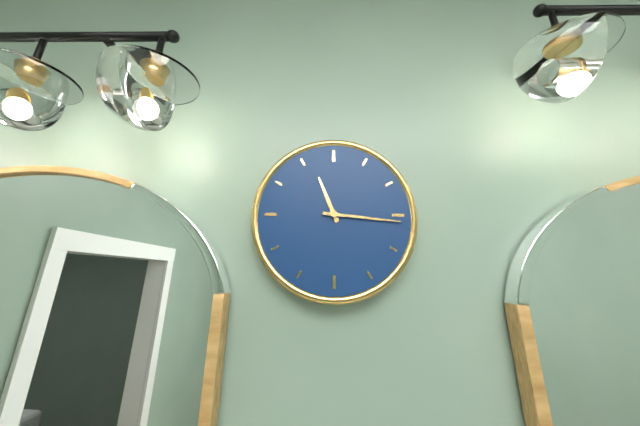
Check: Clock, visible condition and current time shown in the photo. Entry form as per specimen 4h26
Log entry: 11h16
